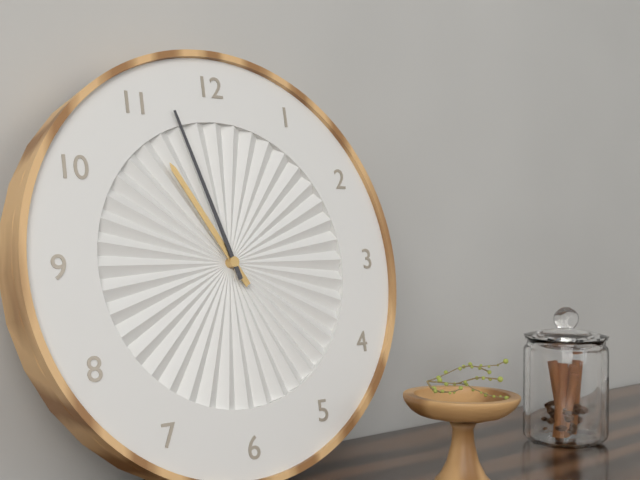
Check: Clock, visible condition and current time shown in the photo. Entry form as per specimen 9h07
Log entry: 10h57
